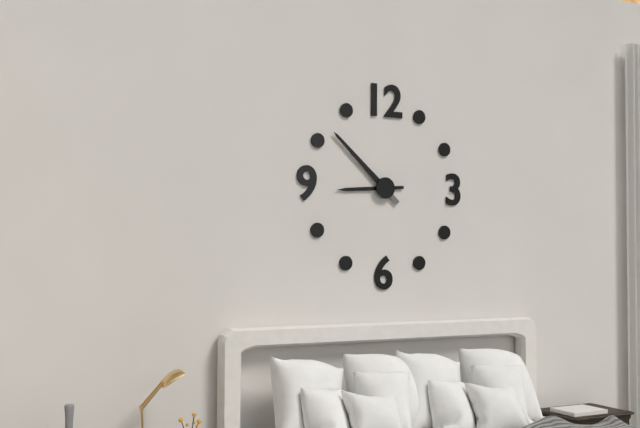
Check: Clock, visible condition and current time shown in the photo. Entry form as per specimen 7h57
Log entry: 8h52
